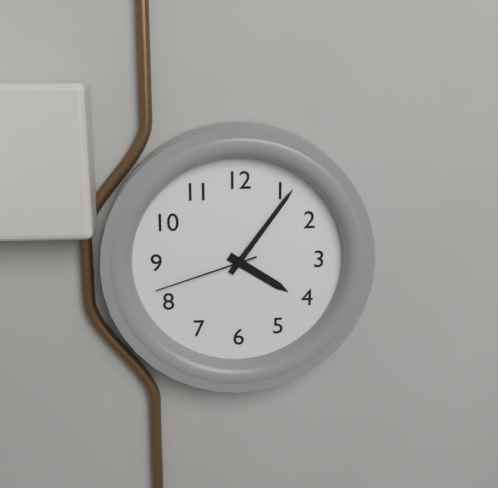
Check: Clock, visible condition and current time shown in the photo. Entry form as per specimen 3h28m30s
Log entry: 4h06m42s
